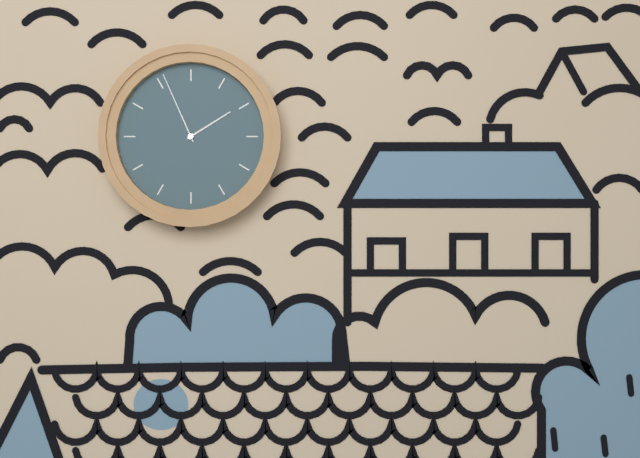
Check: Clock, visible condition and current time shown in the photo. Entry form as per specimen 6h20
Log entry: 1h56
